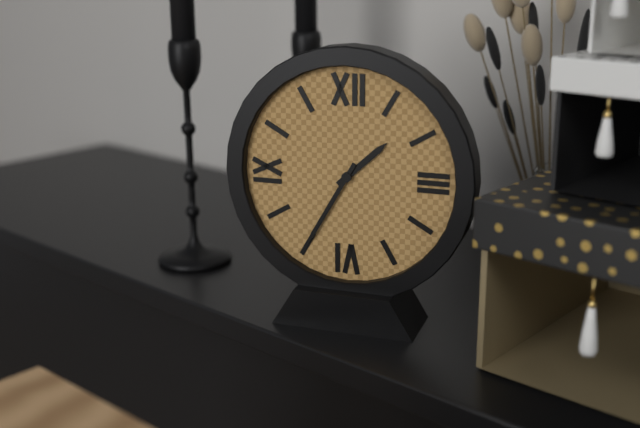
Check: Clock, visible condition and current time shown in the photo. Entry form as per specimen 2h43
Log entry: 1h35
